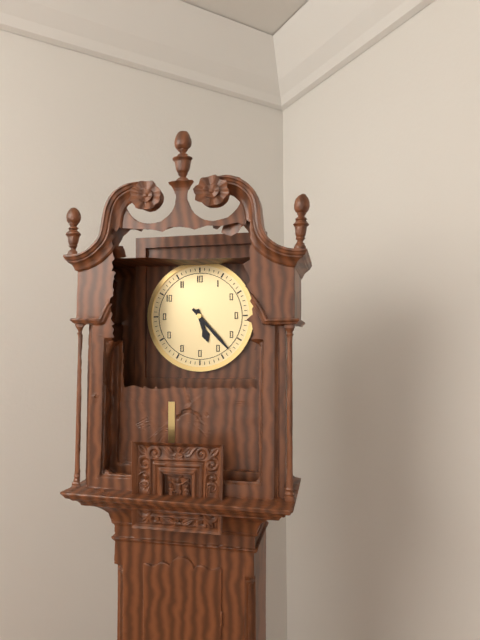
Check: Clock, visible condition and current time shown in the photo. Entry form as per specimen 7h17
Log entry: 5h23
